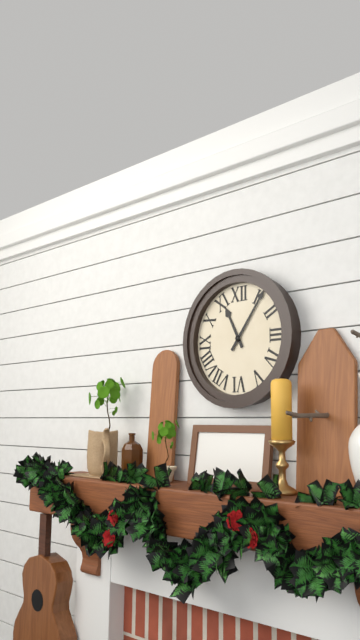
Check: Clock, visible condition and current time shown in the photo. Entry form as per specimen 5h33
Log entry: 11h06
